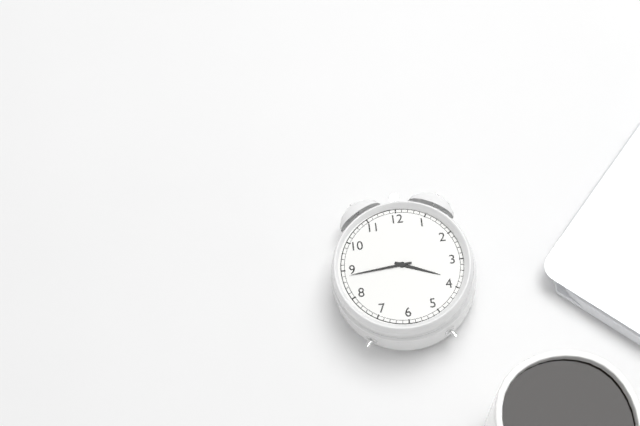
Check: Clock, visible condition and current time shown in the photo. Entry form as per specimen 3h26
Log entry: 3h44
